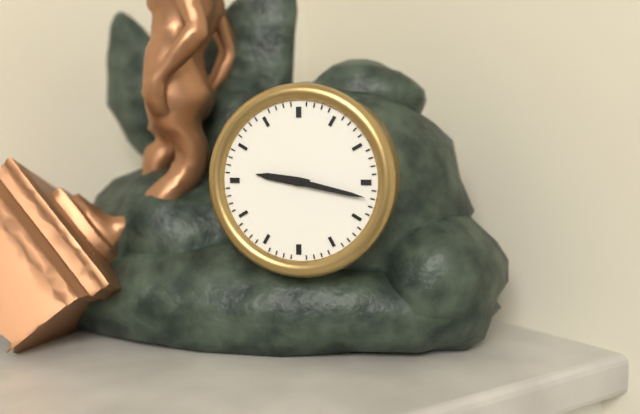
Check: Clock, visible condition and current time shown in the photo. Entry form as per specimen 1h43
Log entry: 9h17
